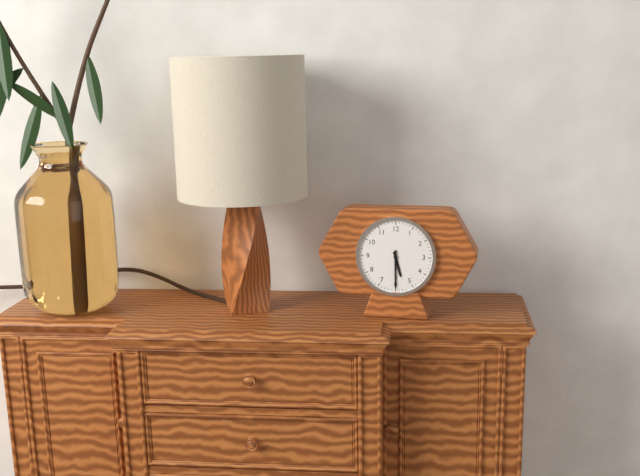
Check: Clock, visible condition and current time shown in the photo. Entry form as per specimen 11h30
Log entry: 5h30
